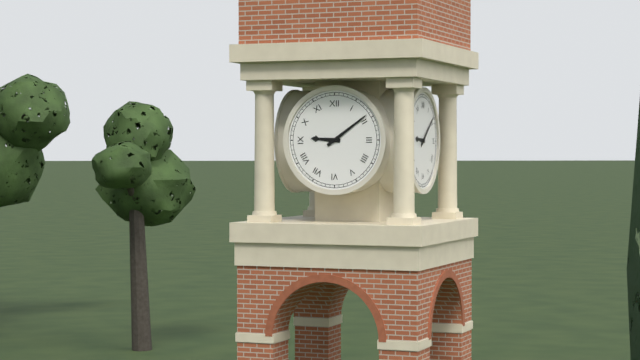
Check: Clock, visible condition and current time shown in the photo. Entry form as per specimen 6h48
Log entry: 9h09
